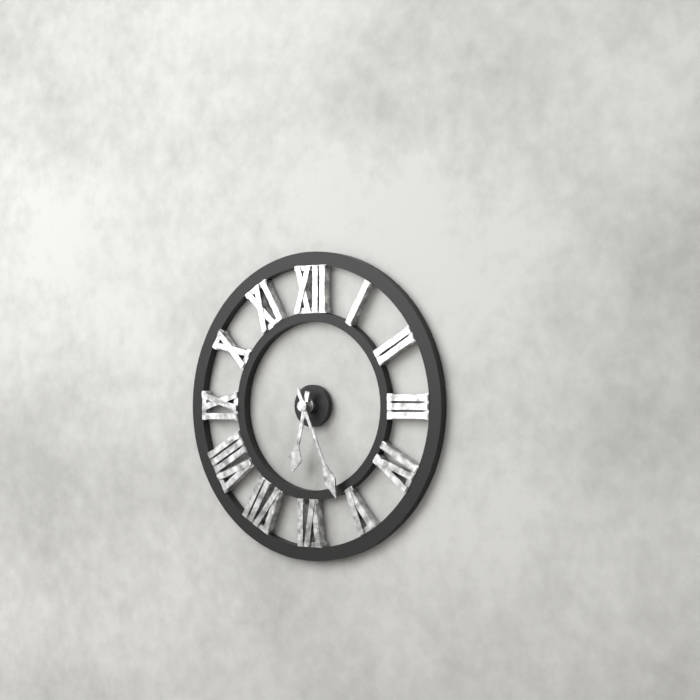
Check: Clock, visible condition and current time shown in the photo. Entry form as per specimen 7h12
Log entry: 6h26
